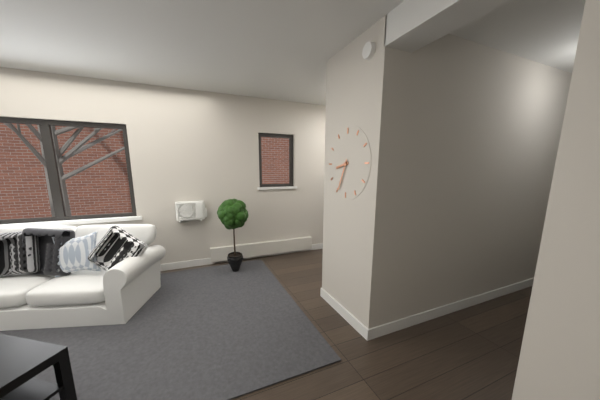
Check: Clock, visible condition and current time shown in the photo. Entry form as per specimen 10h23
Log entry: 8h34
